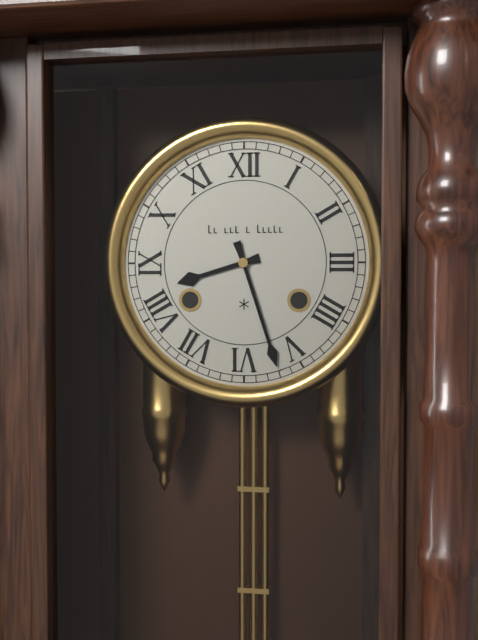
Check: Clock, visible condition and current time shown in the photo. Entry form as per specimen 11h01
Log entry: 8h27
